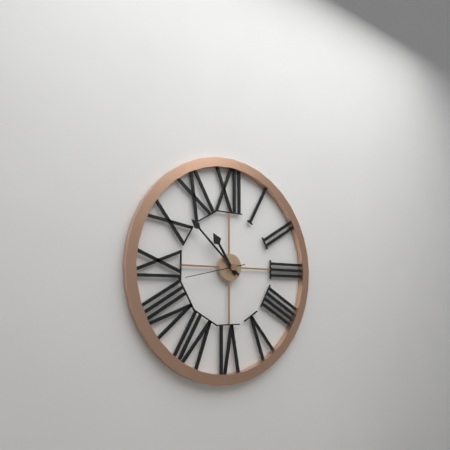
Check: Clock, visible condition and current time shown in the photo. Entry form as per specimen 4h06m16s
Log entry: 10h52m43s
